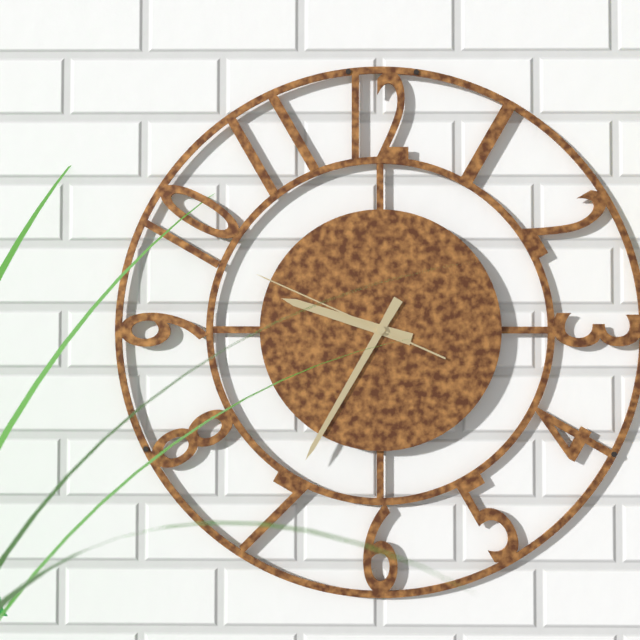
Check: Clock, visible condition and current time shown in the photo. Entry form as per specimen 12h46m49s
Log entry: 9h35m49s
